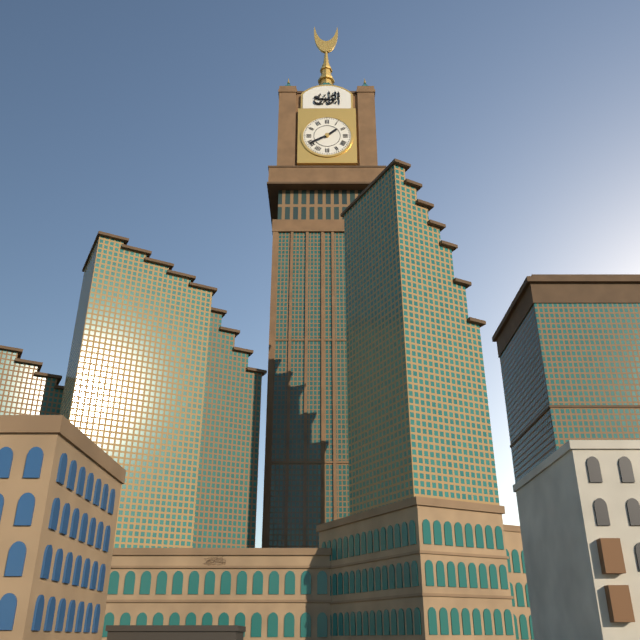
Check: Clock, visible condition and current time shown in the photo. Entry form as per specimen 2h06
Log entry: 1h40
